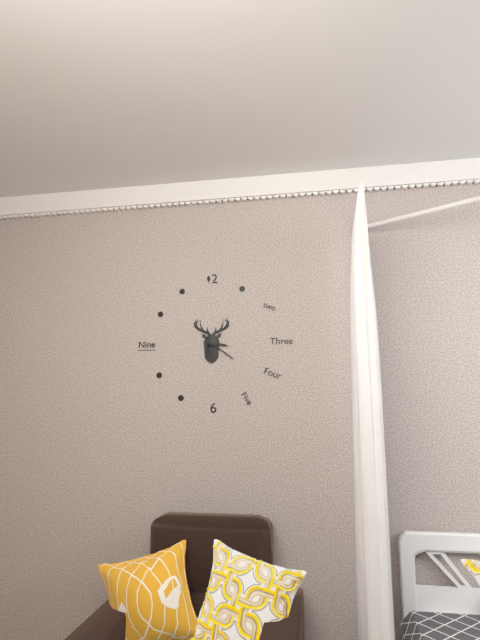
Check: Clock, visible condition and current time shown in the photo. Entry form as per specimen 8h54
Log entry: 3h21
